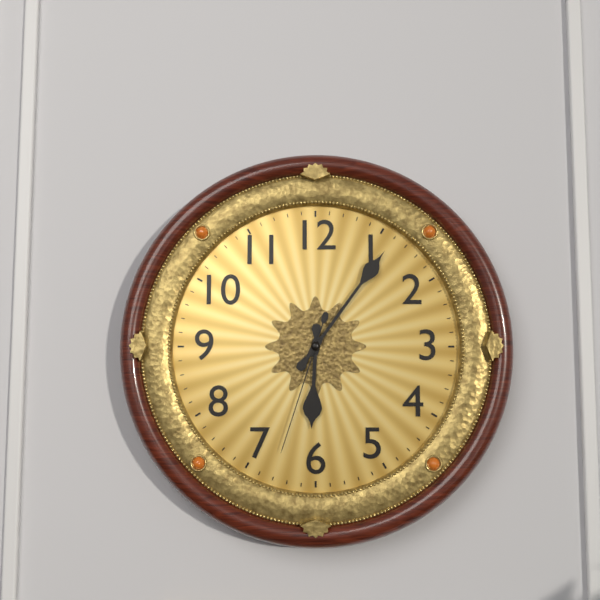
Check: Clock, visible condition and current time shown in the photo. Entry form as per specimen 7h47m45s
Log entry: 6h06m33s
